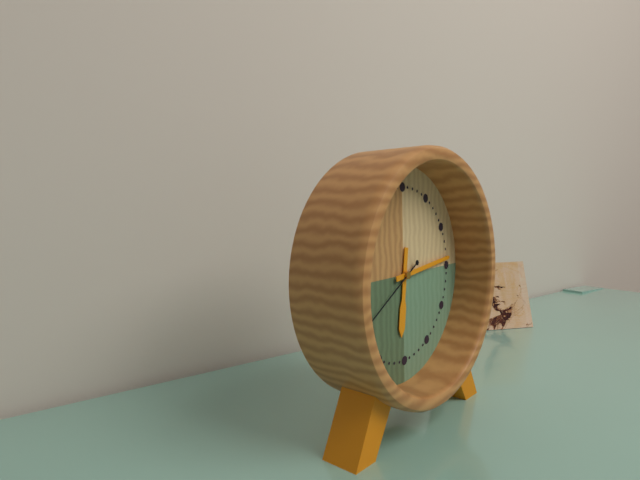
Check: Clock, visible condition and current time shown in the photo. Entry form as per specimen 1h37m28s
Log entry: 6h14m40s
